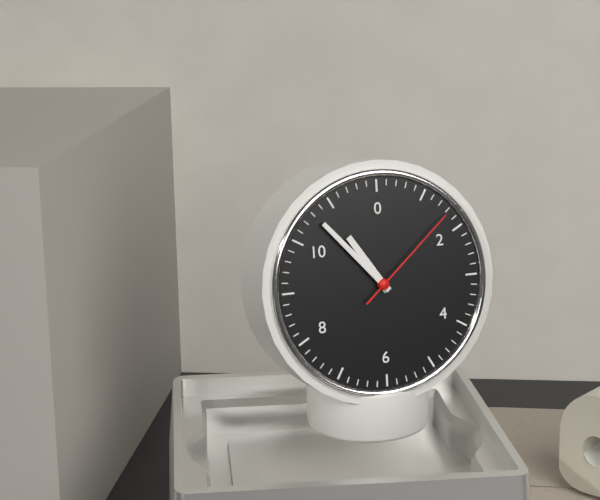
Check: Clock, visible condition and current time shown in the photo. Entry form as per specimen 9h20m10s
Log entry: 10h53m08s
